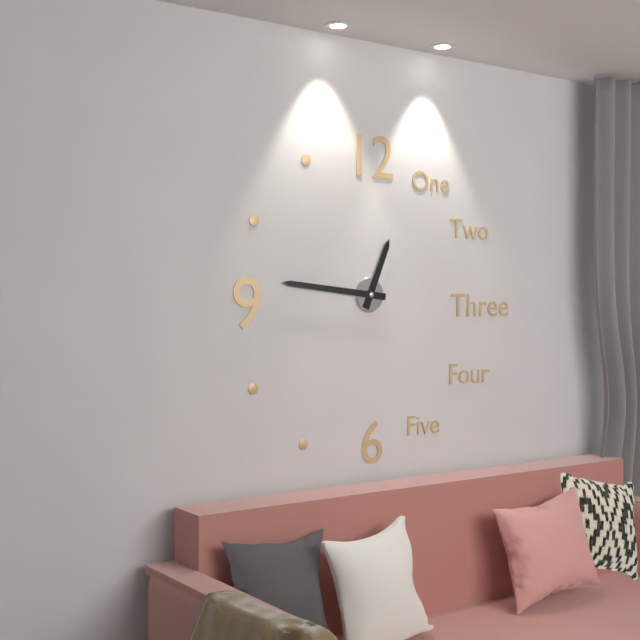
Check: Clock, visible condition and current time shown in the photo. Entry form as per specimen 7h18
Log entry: 12h46
